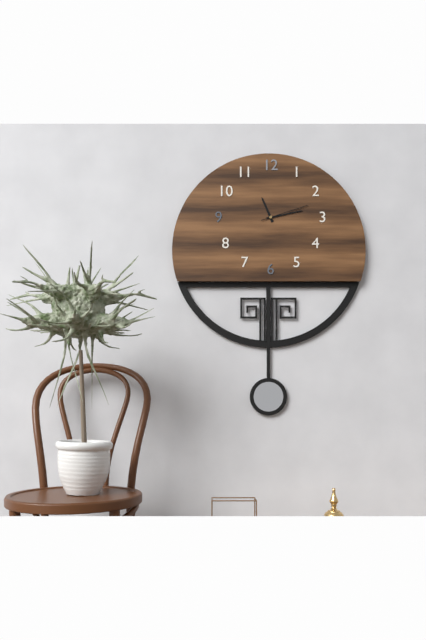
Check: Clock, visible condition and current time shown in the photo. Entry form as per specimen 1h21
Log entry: 11h13
